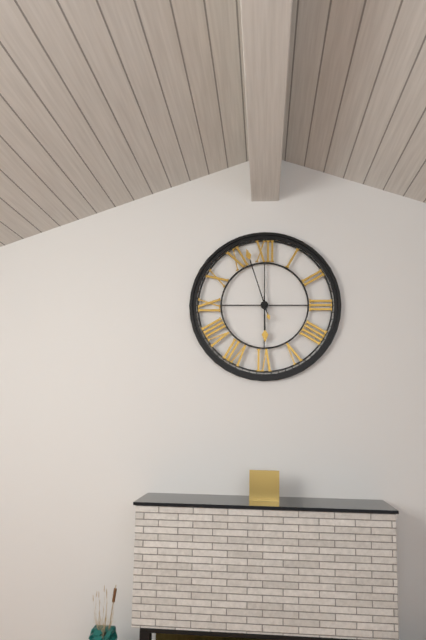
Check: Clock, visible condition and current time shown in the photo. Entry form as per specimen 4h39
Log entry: 5h57
